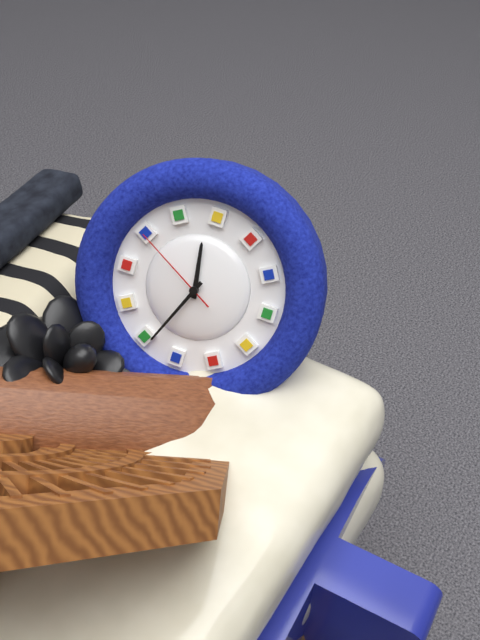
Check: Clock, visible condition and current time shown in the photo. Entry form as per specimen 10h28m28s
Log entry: 1h44m00s
